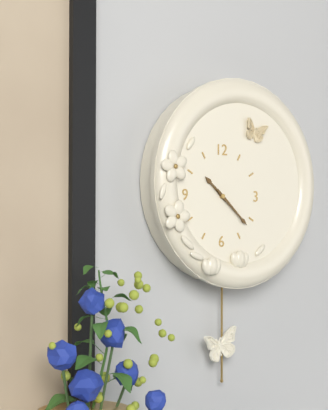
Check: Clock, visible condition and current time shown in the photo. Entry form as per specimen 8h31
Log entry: 10h22
